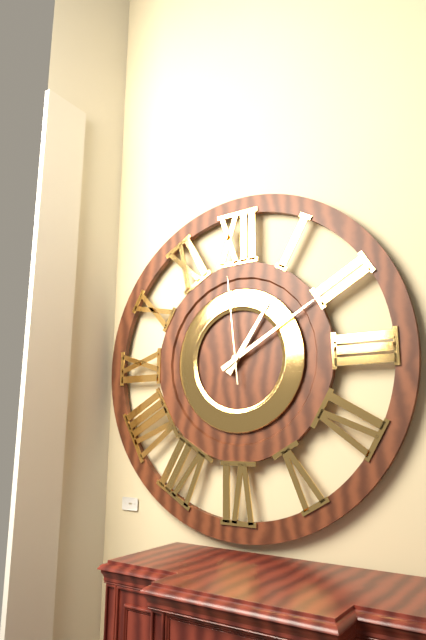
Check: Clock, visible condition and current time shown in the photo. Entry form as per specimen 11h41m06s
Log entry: 1h10m59s
